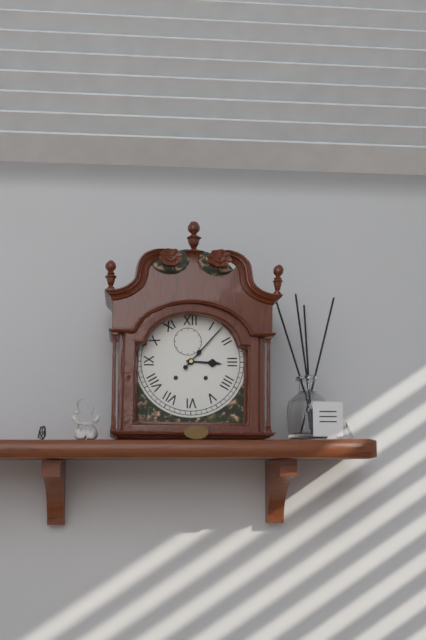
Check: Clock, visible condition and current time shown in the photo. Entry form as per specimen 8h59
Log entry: 3h07
